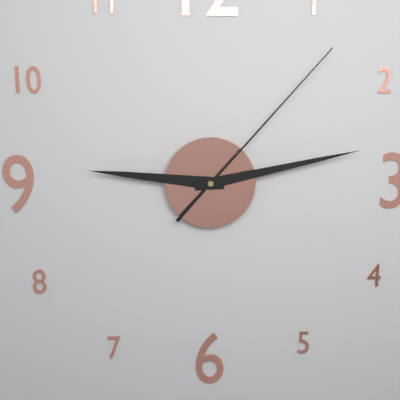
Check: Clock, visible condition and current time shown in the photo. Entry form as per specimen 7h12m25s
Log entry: 9h13m07s
